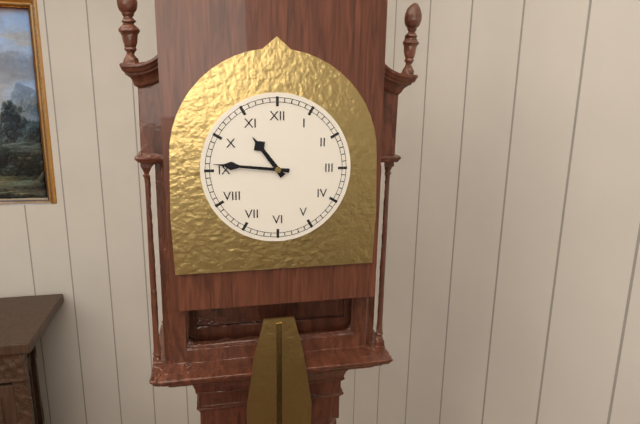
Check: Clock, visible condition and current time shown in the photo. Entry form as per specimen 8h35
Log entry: 10h46
